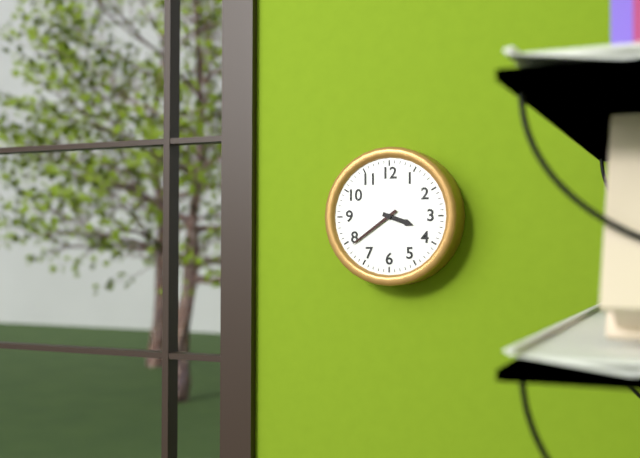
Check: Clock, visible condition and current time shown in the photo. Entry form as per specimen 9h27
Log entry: 3h39
